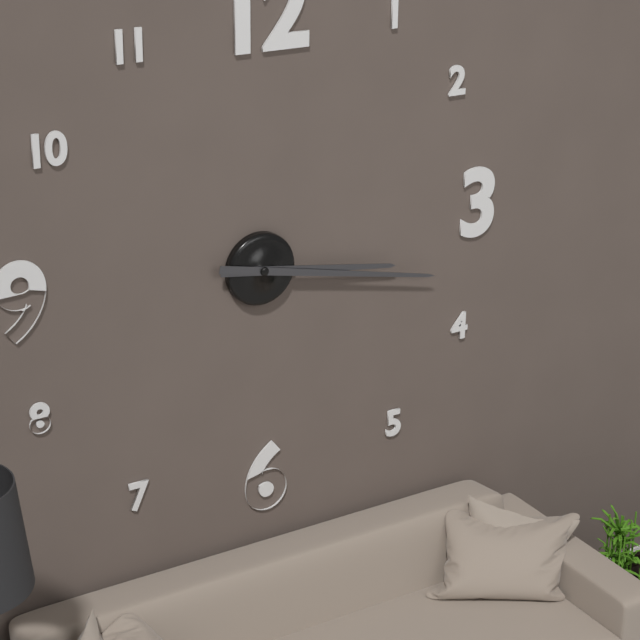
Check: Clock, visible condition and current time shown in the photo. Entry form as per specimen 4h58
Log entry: 3h17
